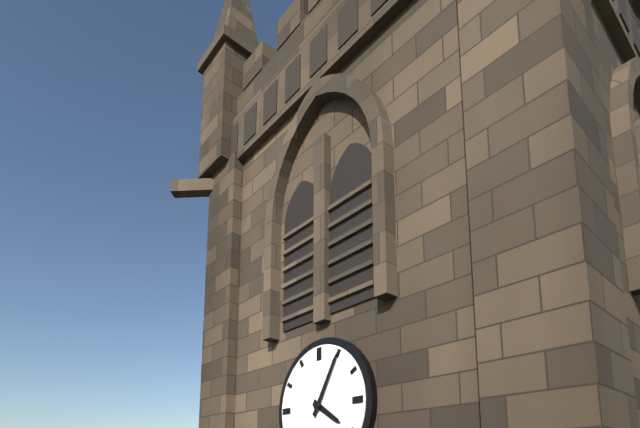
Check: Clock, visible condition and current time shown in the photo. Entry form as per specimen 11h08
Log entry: 4h05
